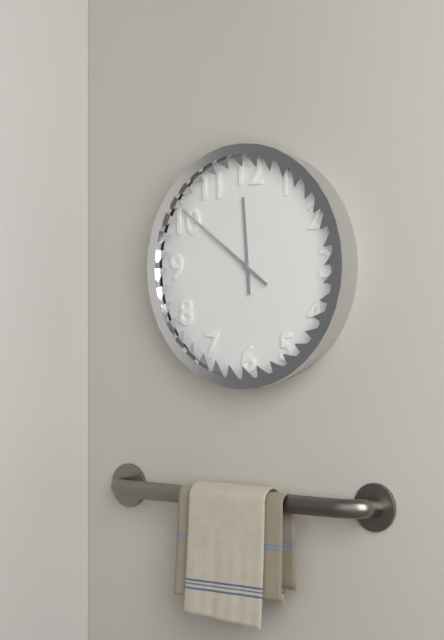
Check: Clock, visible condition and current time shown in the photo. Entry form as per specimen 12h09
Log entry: 11h51
